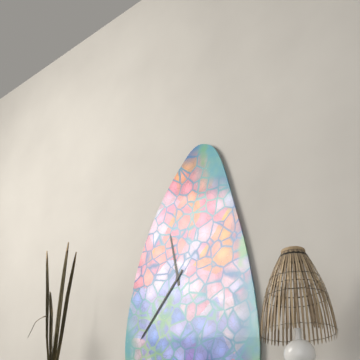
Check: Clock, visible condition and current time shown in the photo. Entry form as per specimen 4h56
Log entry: 11h37
